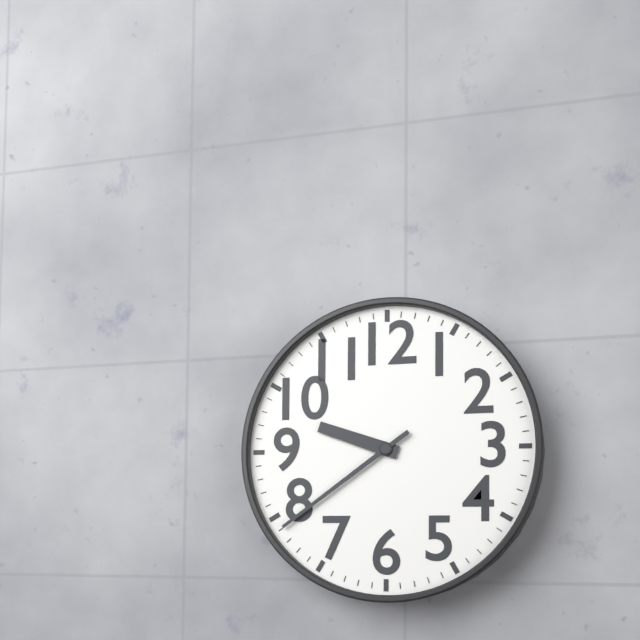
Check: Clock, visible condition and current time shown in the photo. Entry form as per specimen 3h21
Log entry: 9h39
